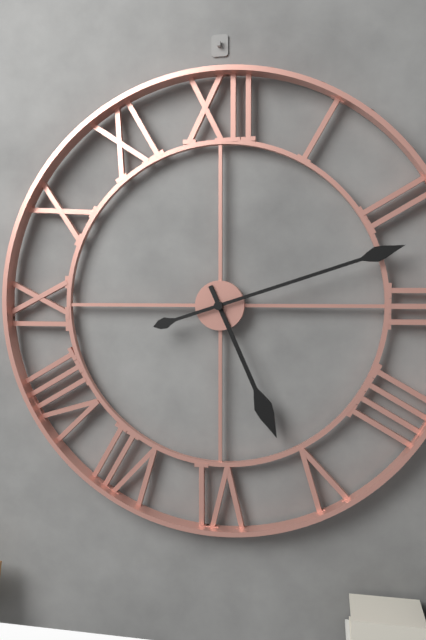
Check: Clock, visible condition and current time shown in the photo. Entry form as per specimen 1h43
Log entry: 5h12
